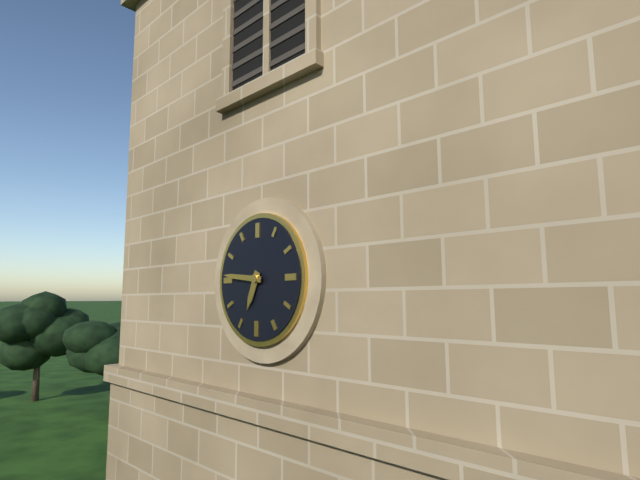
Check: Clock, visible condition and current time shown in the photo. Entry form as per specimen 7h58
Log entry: 6h46
